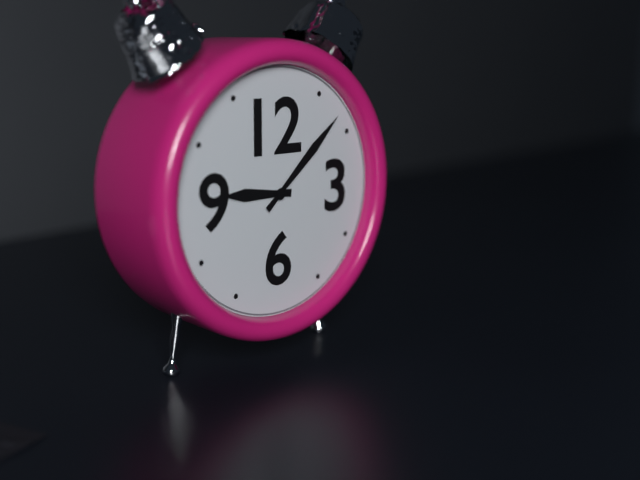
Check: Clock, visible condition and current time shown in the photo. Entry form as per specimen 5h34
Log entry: 9h08
